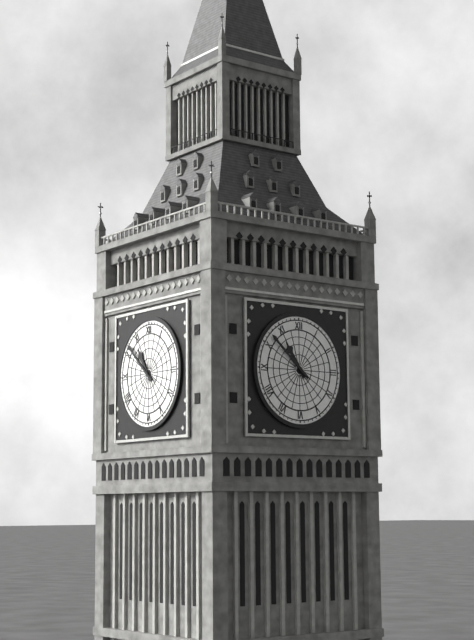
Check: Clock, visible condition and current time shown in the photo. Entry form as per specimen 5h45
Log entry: 10h52
